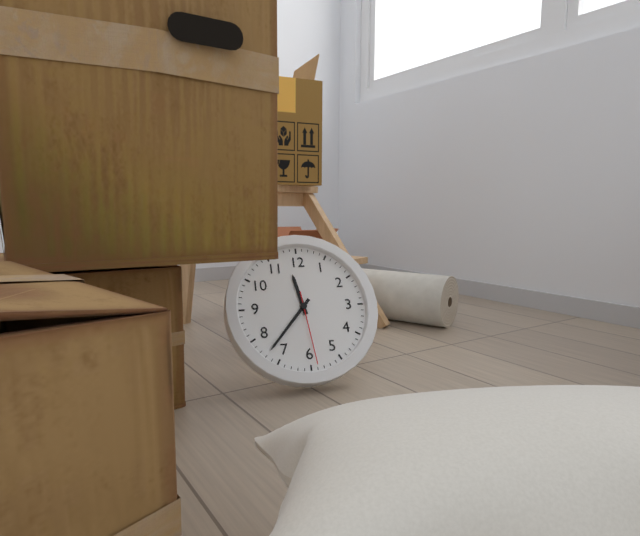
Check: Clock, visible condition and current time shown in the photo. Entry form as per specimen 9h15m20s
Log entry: 11h37m29s
